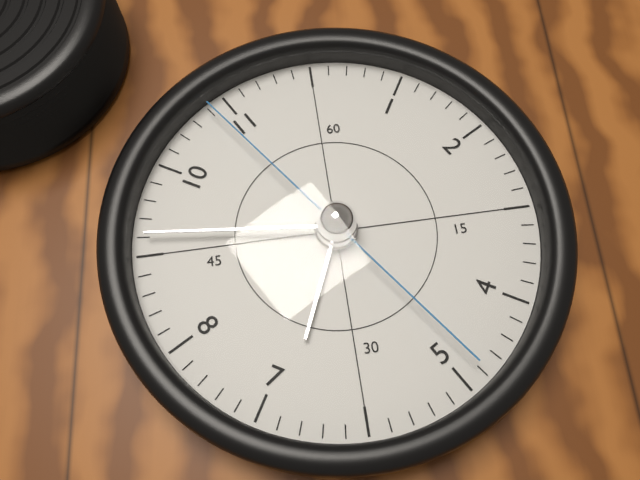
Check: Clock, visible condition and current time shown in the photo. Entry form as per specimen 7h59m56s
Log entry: 6h46m54s
